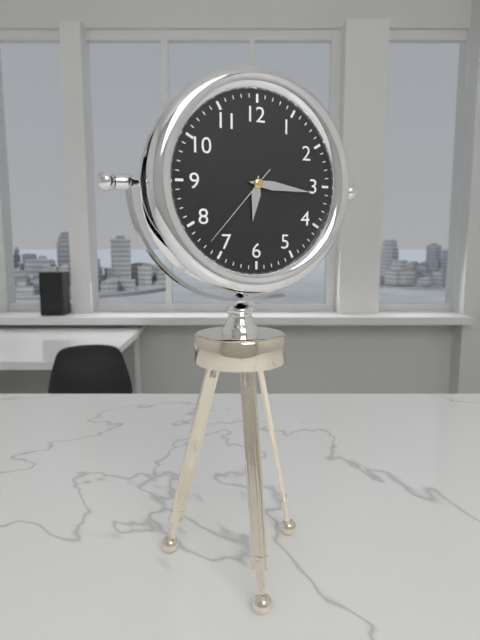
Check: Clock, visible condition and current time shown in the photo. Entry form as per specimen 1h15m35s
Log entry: 6h16m37s
